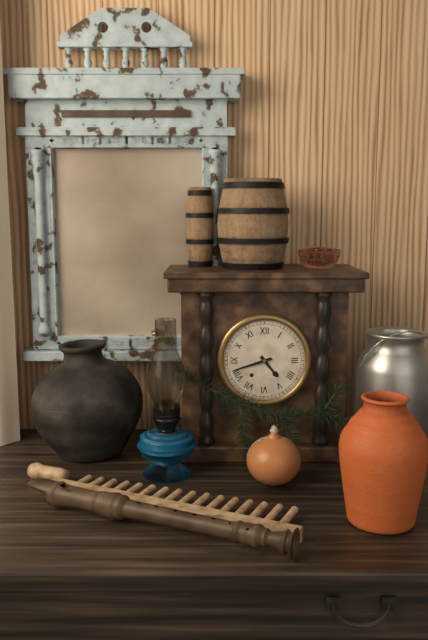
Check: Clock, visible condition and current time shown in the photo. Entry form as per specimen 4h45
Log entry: 4h42
